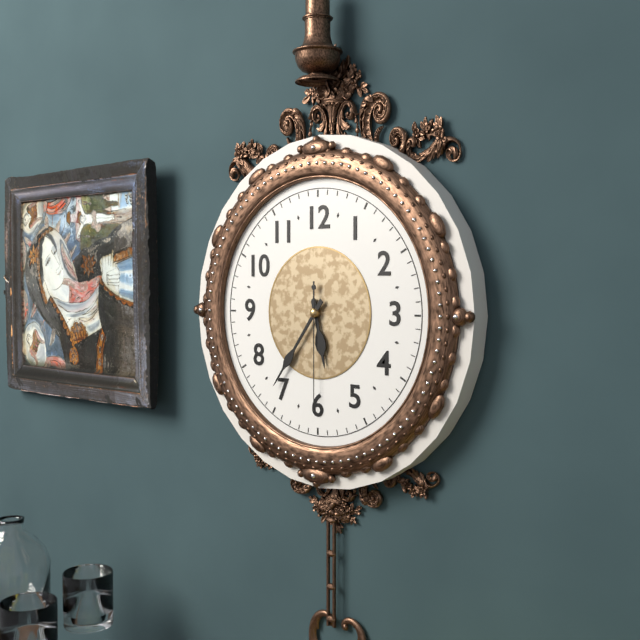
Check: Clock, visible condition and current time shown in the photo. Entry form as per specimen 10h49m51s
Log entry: 5h36m30s
